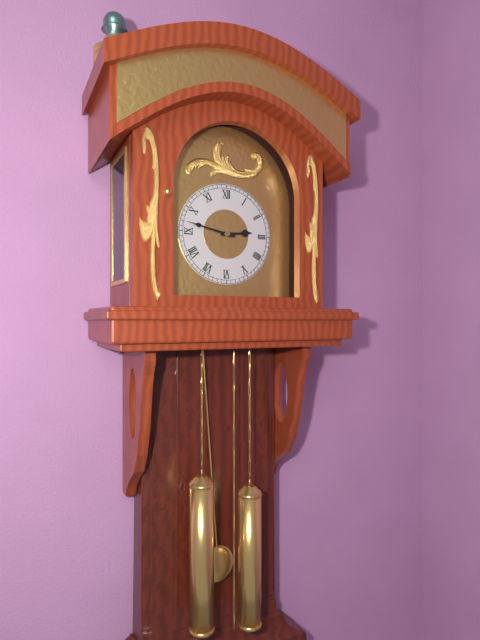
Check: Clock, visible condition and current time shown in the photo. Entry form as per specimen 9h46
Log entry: 2h47
